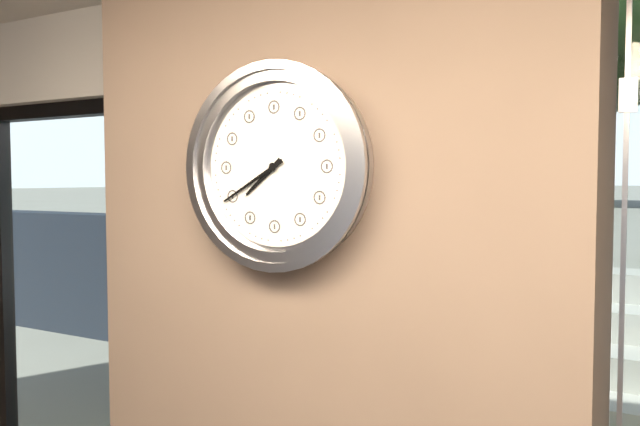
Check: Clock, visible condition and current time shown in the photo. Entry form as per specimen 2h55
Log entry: 7h40
